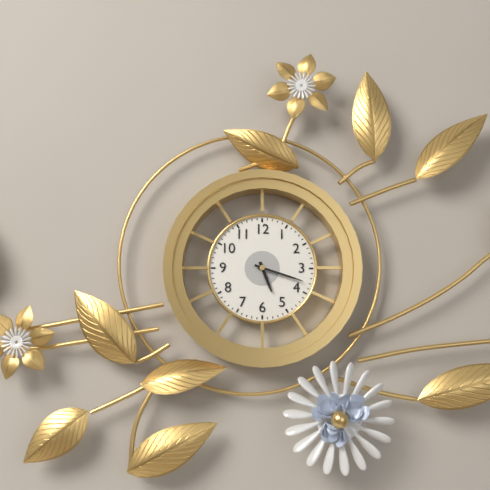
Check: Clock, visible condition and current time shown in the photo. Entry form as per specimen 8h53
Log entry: 5h18
